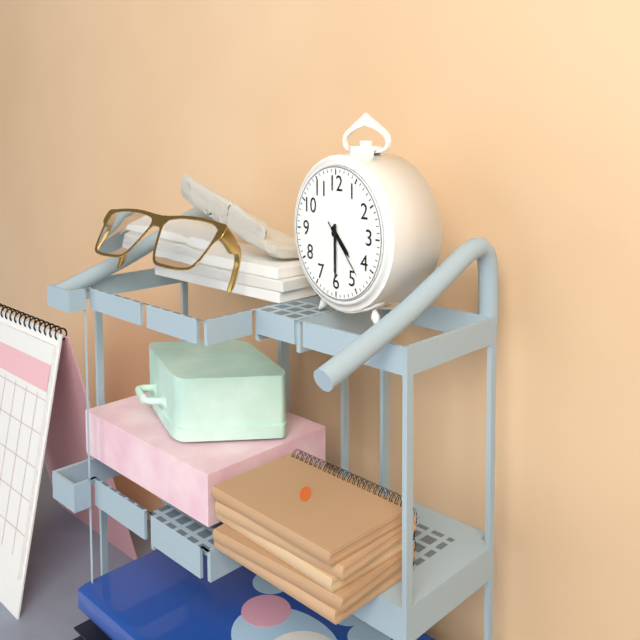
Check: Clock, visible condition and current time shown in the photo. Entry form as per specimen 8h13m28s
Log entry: 4h30m23s
